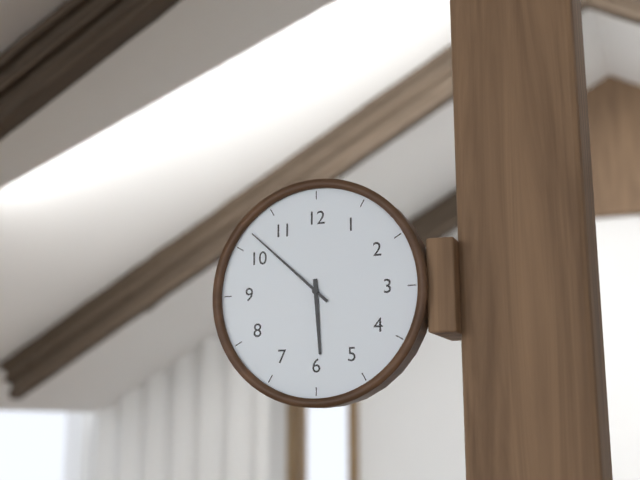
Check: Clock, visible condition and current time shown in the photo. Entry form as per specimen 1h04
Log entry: 5h52
